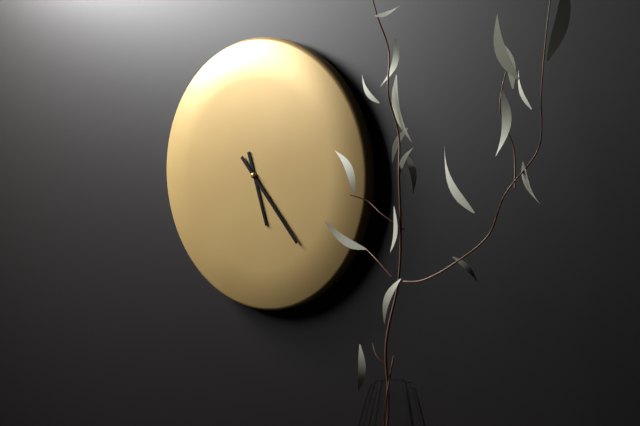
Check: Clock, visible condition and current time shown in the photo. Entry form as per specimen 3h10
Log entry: 5h23
